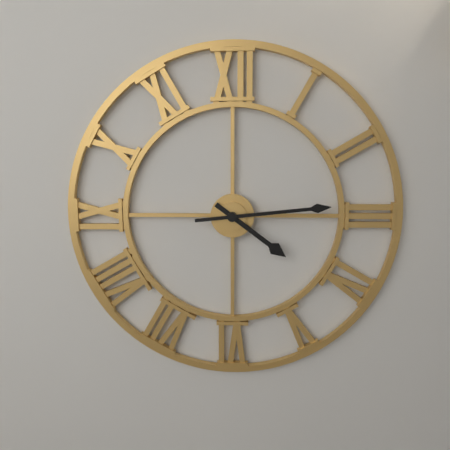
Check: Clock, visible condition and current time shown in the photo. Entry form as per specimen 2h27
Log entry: 4h14
